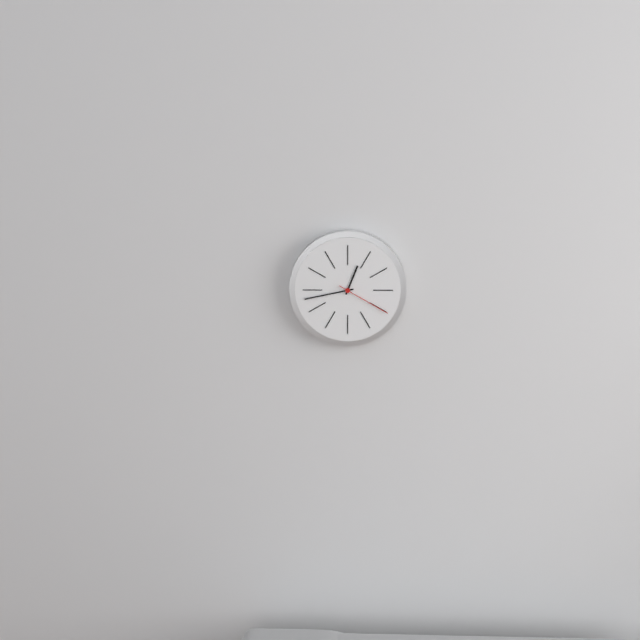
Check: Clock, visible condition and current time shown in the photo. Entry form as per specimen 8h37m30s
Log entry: 12h43m20s
